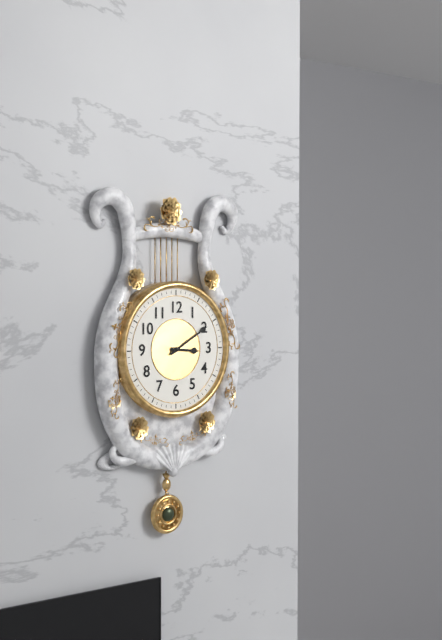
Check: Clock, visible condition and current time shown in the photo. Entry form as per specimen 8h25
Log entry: 3h10
